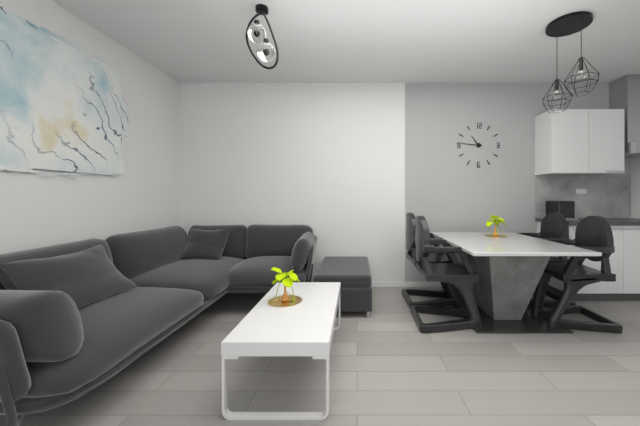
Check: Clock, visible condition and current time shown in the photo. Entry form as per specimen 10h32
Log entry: 10h46
